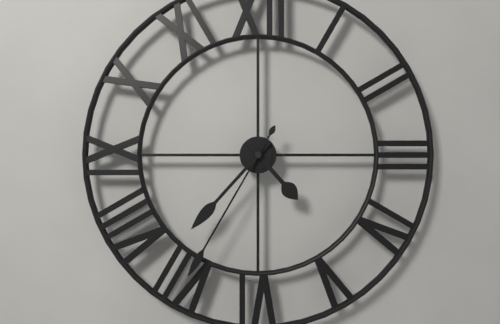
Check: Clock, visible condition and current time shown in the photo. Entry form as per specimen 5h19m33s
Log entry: 4h37m35s
